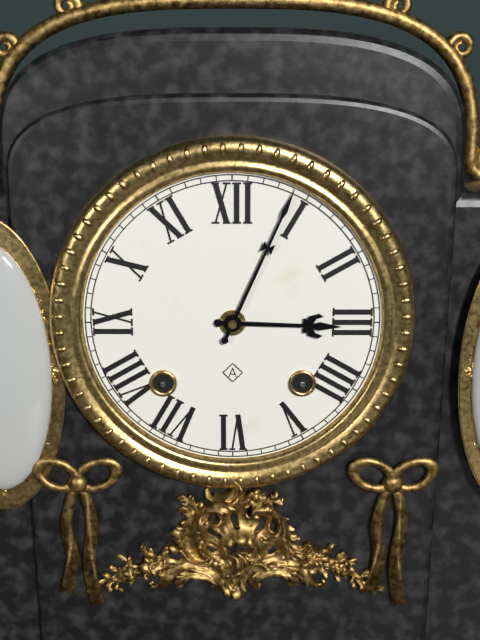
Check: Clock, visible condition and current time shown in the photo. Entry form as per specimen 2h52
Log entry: 3h04
